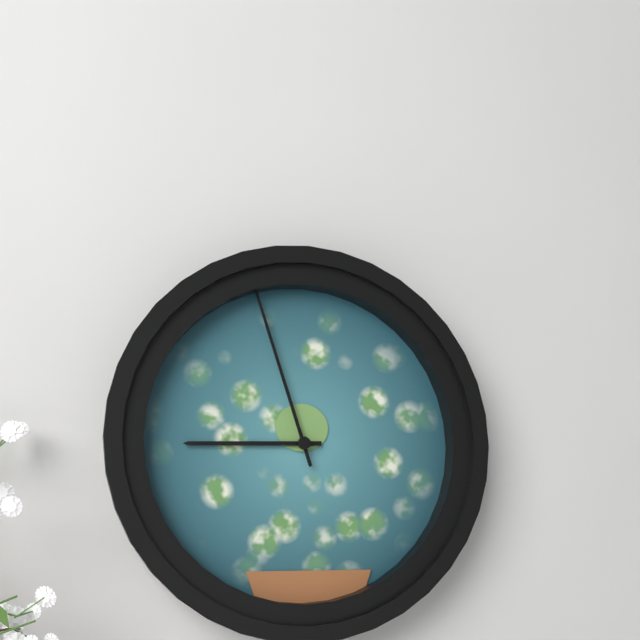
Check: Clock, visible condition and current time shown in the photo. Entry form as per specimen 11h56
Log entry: 8h57
